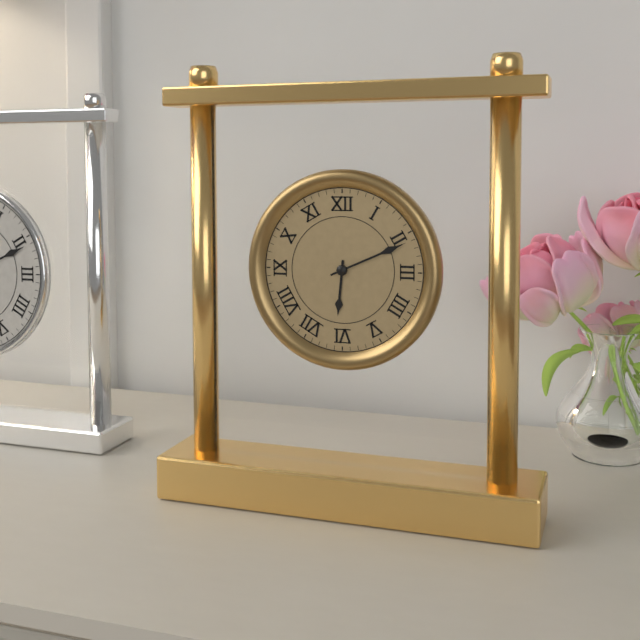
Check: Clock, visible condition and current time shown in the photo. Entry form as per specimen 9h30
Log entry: 6h11
